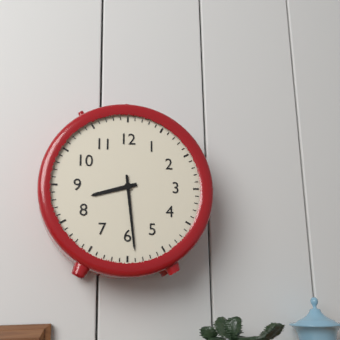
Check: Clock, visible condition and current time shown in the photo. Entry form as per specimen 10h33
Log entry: 8h29
